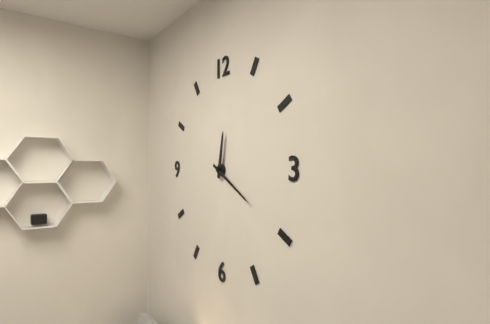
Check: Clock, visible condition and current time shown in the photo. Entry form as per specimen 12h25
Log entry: 12h20
